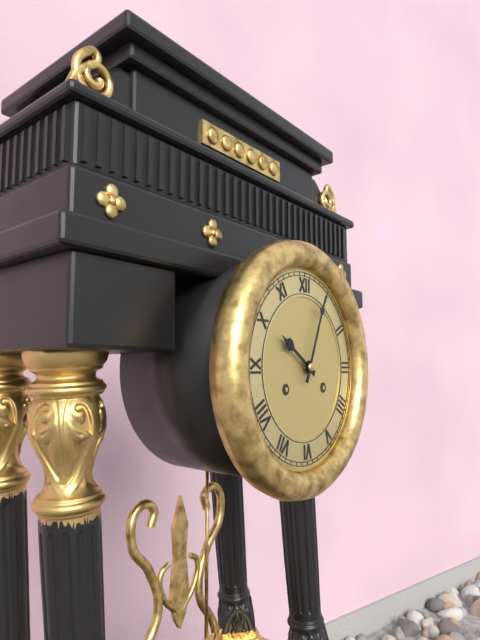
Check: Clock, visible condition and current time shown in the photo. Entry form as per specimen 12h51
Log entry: 10h04
